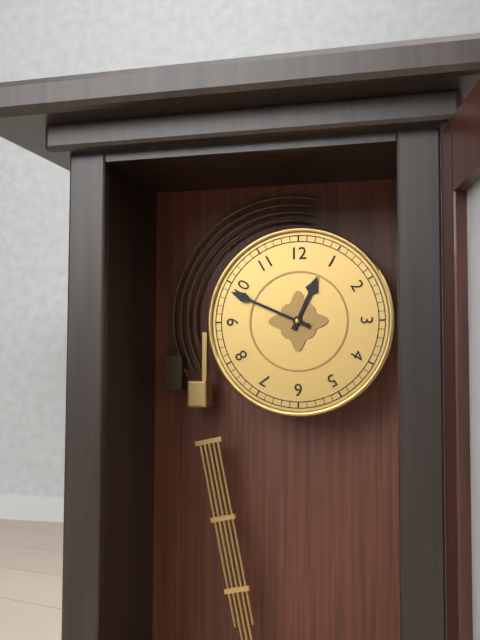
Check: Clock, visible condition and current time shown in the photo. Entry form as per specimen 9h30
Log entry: 12h49
